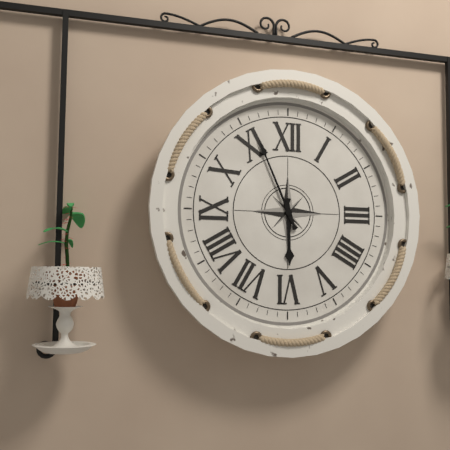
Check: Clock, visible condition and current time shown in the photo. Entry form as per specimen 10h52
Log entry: 5h56
